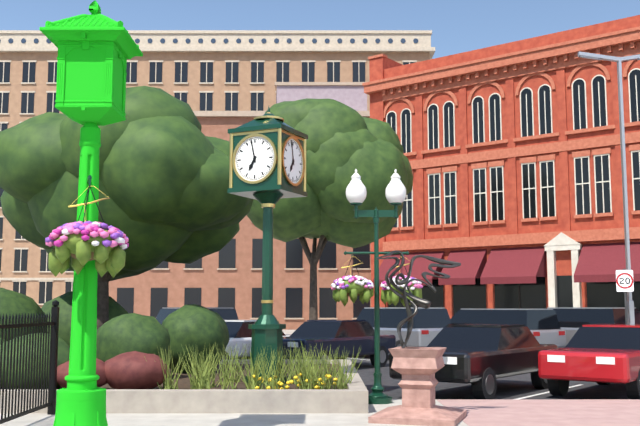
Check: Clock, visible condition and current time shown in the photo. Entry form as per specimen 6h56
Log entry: 6h58
